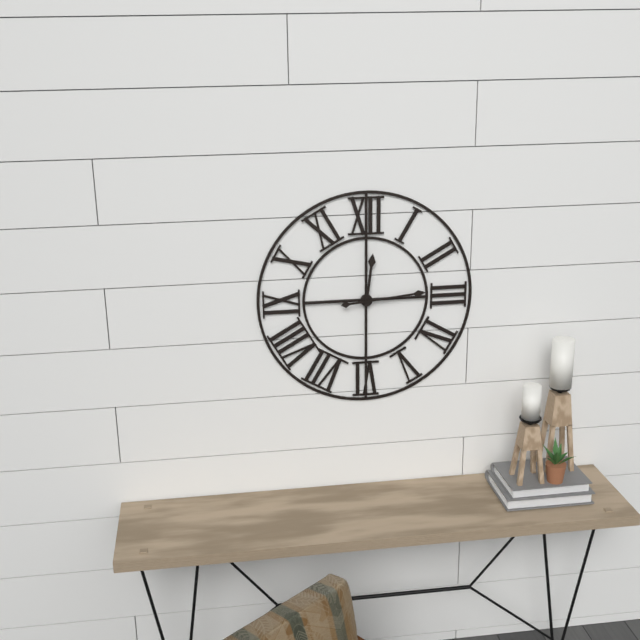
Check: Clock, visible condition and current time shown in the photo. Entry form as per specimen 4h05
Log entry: 12h14
